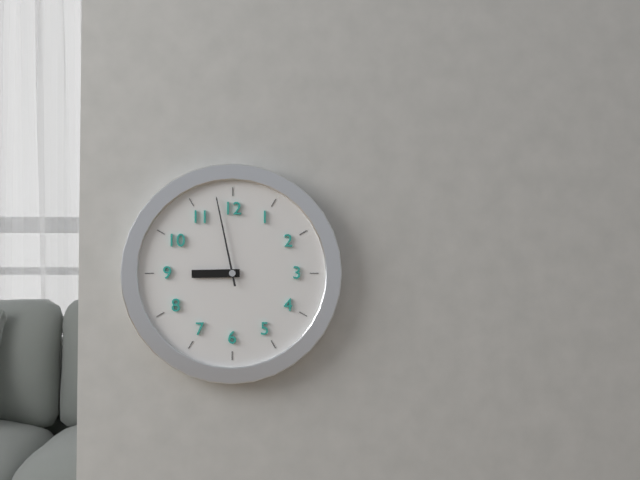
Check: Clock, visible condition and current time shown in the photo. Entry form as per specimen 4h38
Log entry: 8h58
